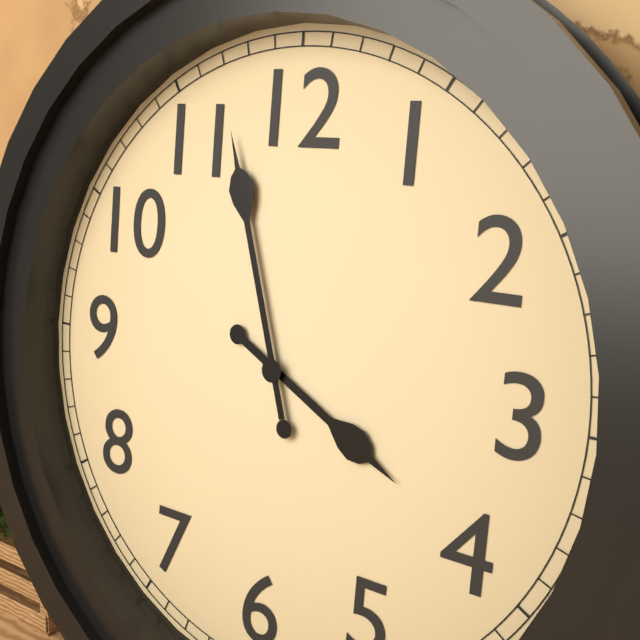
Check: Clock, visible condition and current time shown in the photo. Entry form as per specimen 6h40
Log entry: 3h57
